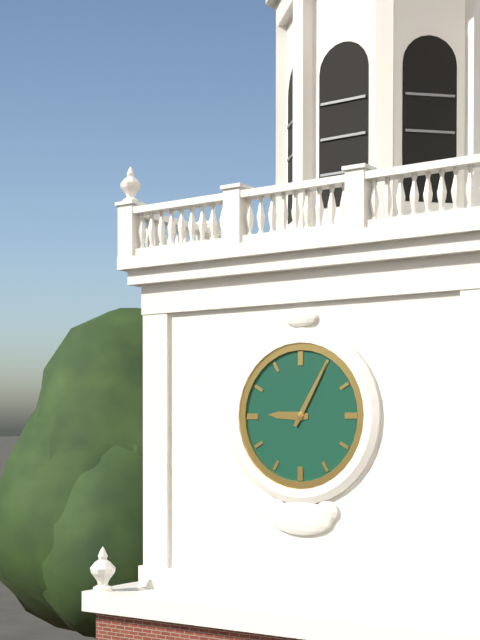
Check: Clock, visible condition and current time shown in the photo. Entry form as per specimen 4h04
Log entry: 9h05
